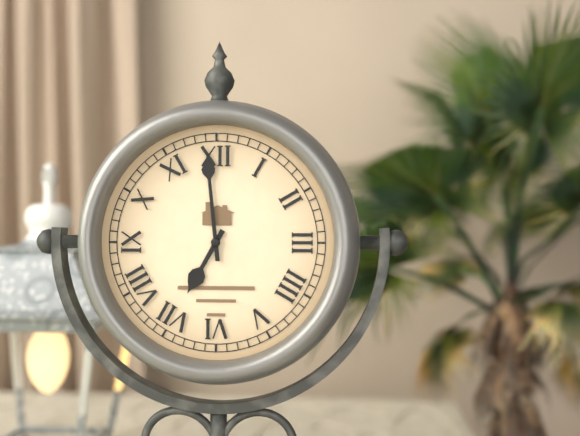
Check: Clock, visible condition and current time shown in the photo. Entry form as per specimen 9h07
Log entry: 6h59
